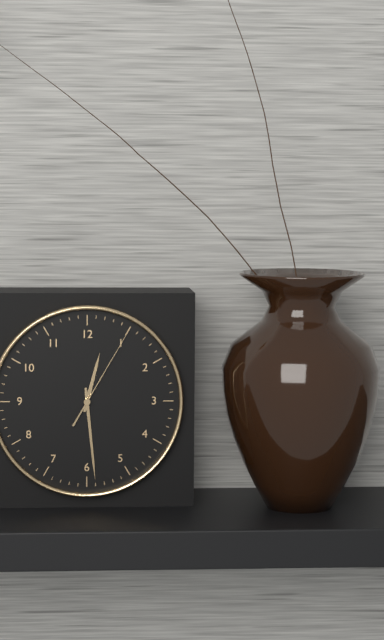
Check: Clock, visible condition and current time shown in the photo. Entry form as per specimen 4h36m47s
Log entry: 12h29m05s
